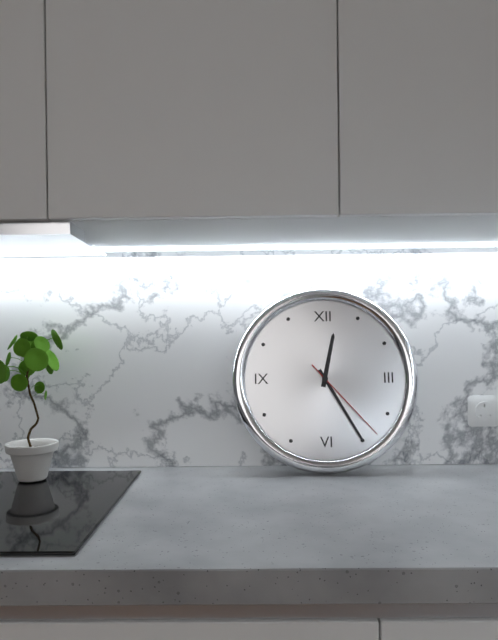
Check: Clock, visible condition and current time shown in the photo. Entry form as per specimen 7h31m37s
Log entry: 12h25m23s
